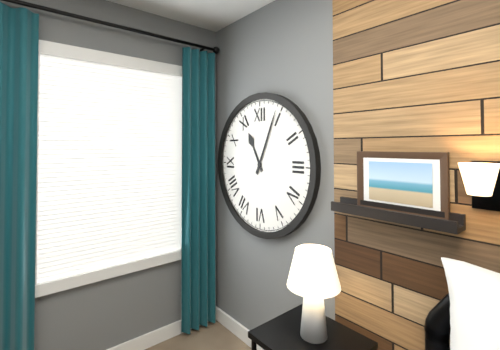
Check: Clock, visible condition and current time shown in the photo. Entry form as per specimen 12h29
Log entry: 11h04
